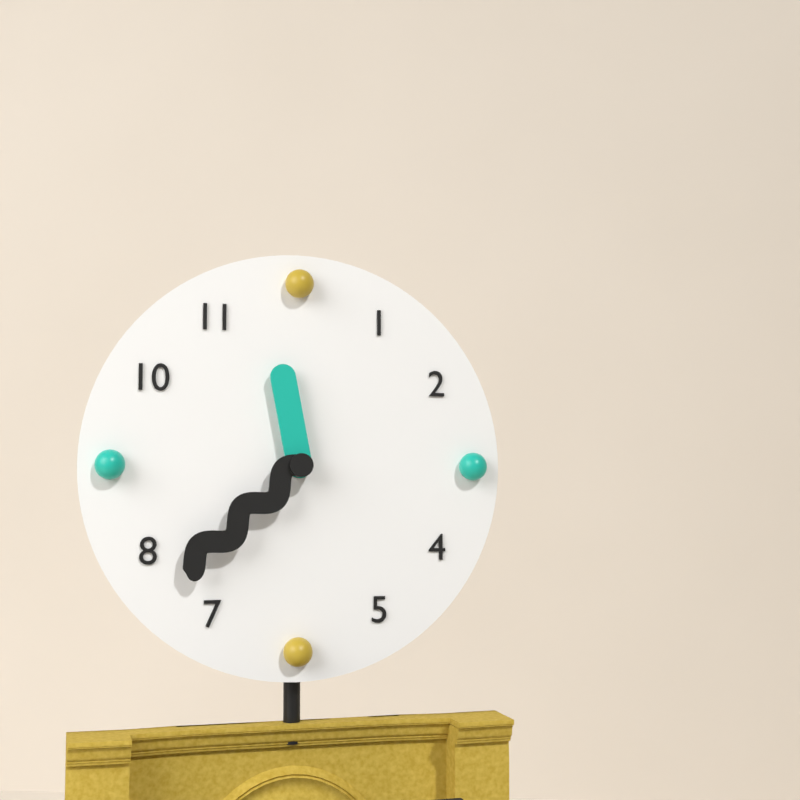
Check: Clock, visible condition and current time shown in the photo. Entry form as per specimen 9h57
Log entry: 11h38
